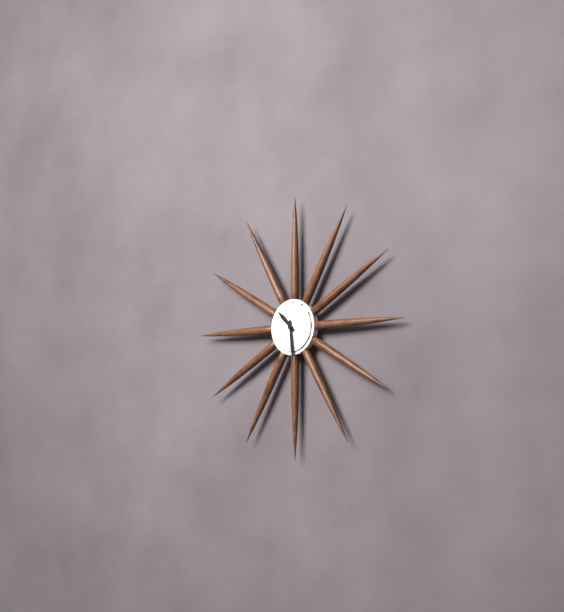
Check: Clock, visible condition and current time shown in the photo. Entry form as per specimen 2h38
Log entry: 10h29
